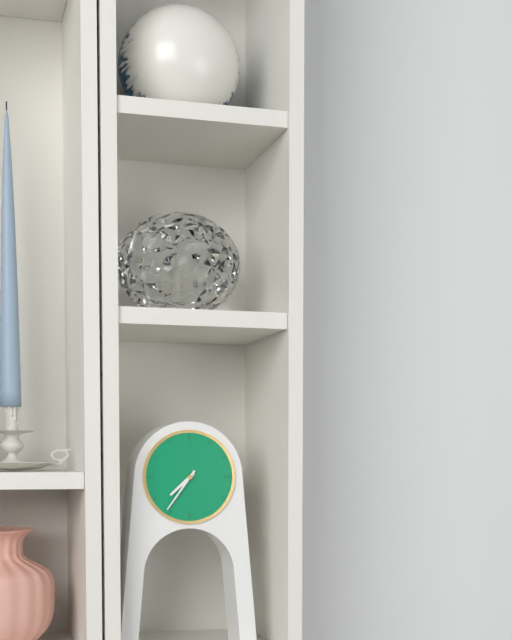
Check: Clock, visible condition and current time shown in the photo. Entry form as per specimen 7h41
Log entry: 7h36
